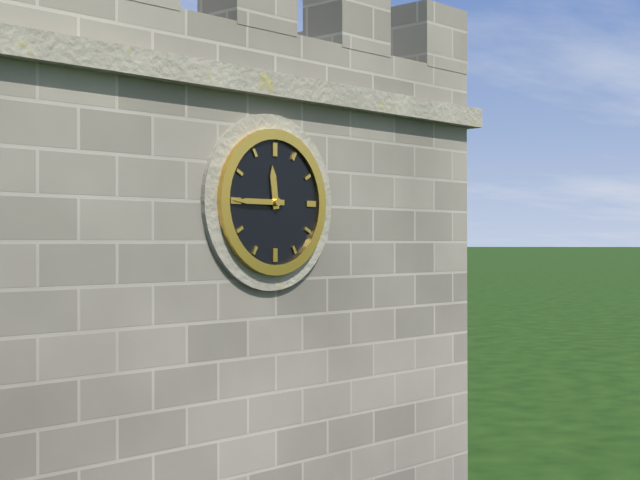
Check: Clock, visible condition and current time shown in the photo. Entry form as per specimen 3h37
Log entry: 11h45
